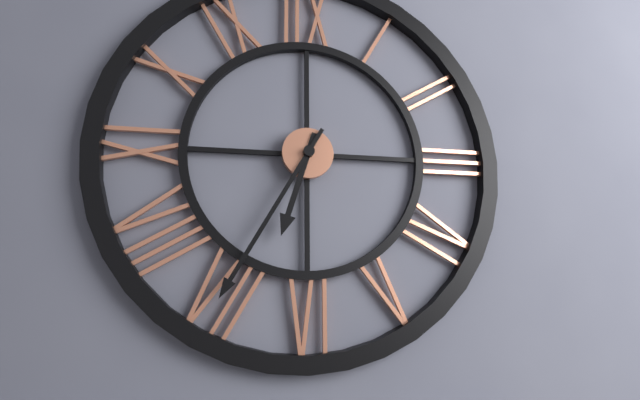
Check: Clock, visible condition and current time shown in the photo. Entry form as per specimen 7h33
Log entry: 6h35
